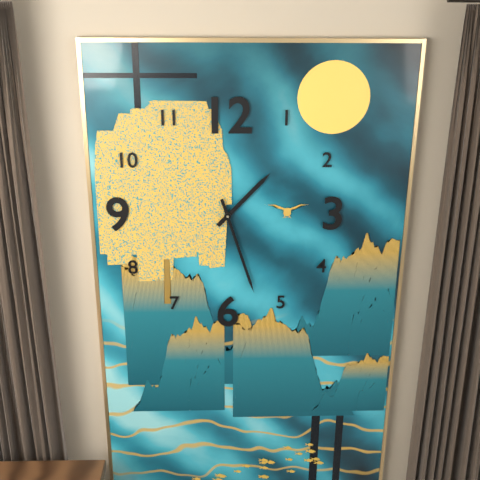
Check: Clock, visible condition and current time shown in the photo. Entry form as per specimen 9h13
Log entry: 1h27
